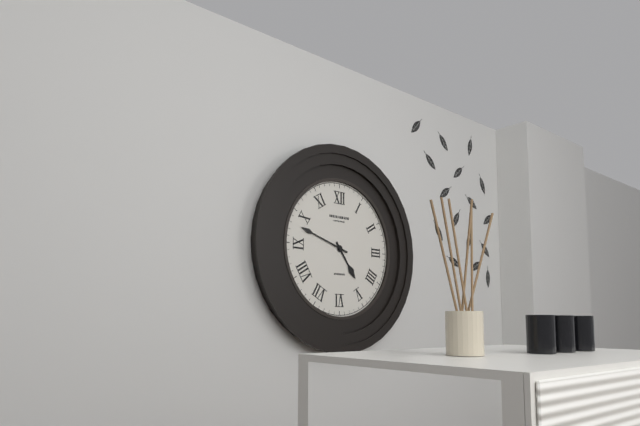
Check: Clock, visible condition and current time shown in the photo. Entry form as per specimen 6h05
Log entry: 4h48
